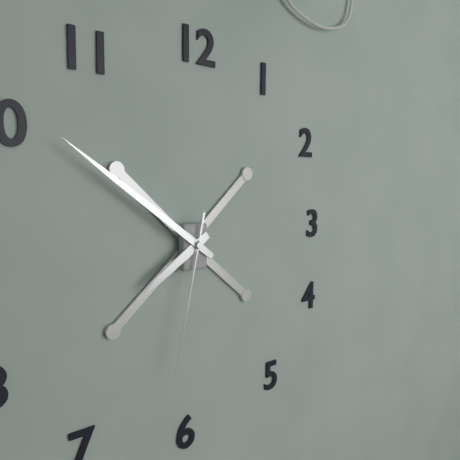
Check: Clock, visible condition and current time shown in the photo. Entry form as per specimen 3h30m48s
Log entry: 7h51m32s
